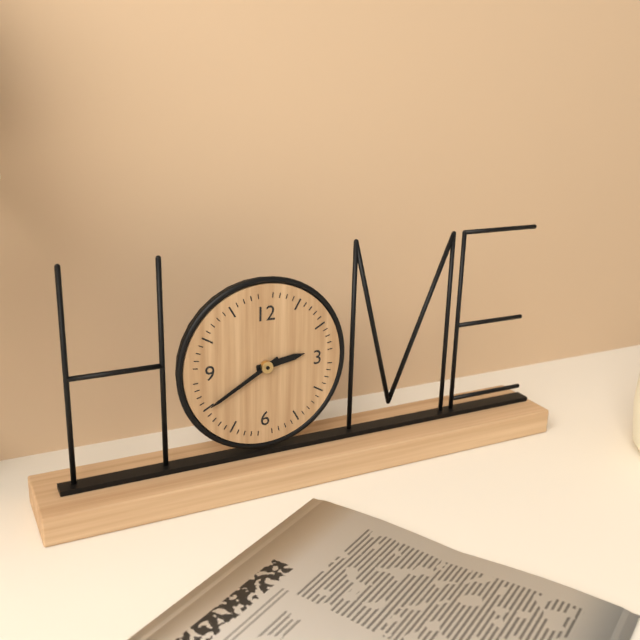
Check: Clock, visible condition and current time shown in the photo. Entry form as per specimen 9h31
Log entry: 2h40
